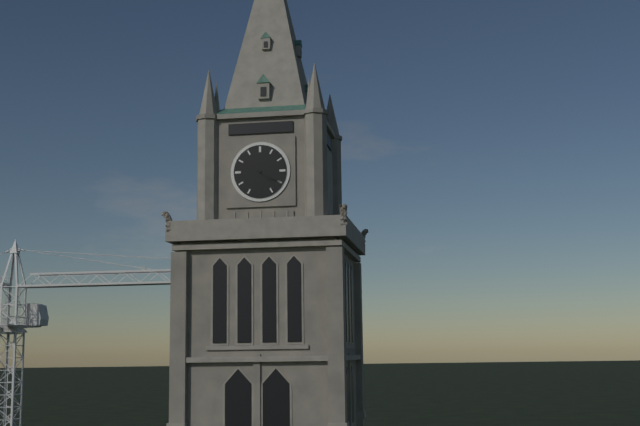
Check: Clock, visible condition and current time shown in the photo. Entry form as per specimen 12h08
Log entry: 4h20
